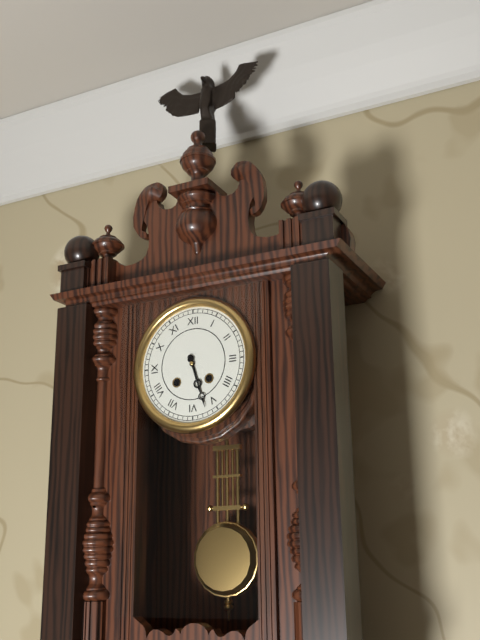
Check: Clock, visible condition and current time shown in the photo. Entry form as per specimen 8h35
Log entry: 5h27
